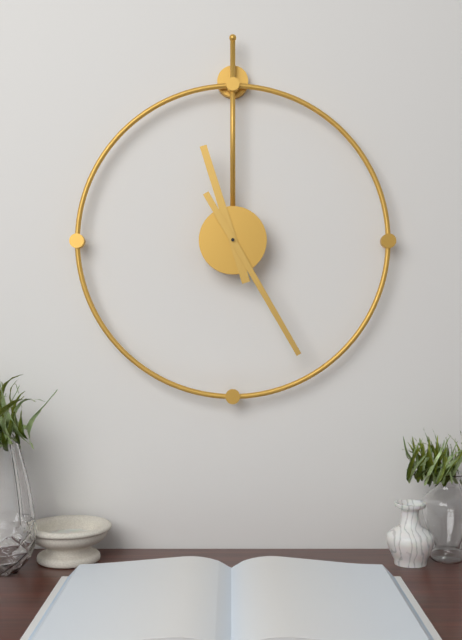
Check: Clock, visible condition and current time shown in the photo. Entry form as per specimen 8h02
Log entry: 11h25
